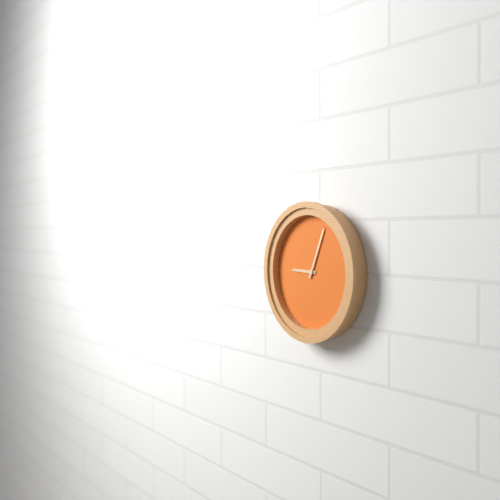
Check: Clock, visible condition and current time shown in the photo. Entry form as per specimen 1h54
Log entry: 9h04
